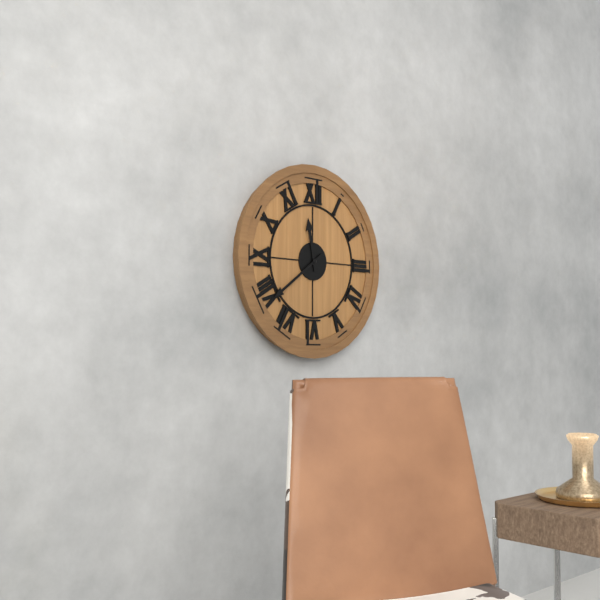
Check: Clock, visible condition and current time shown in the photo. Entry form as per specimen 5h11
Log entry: 11h39
